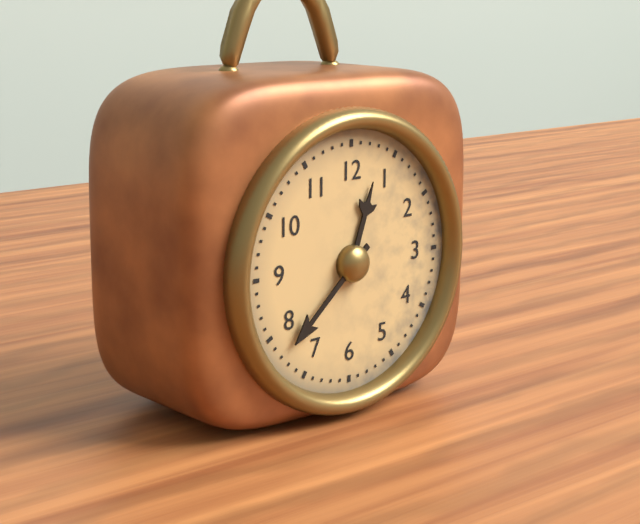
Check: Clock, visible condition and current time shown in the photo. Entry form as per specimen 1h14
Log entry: 12h38
